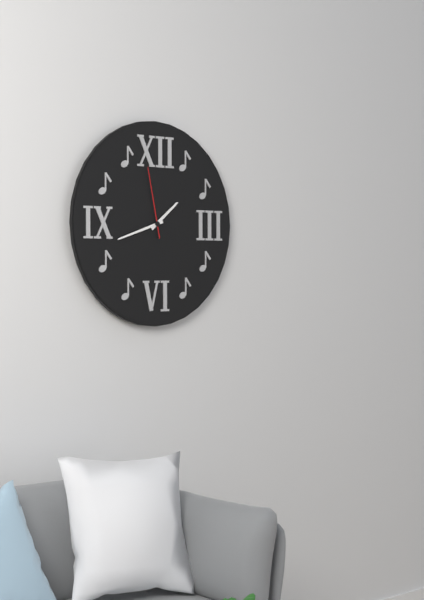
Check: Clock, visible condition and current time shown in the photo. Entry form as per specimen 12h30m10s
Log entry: 1h42m58s
